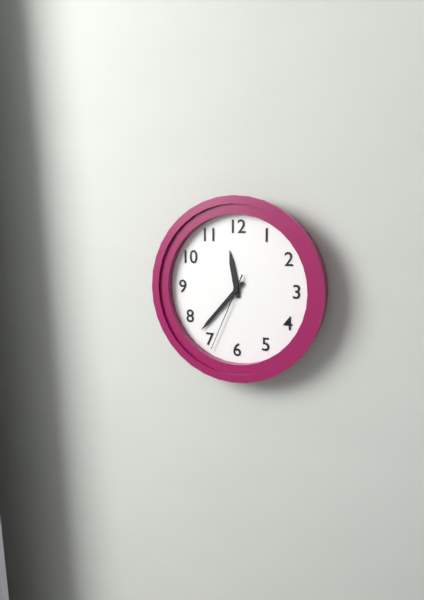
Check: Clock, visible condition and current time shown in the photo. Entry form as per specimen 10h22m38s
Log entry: 11h37m34s
